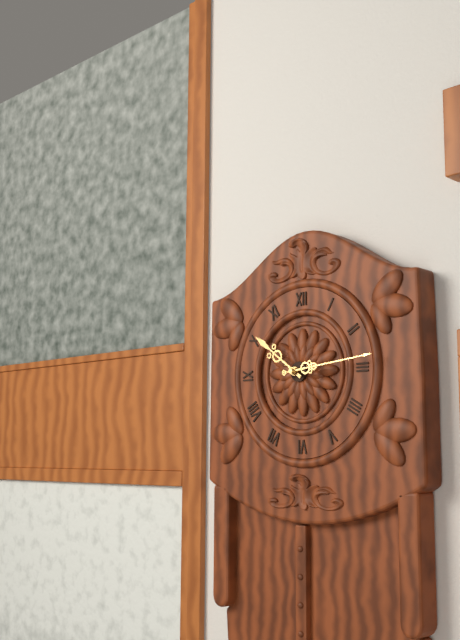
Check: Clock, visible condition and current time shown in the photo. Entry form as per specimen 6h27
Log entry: 10h14
